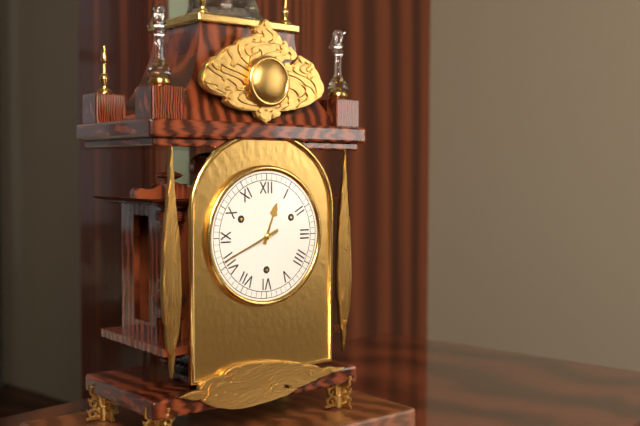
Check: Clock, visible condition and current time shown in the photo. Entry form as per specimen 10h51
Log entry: 12h41
